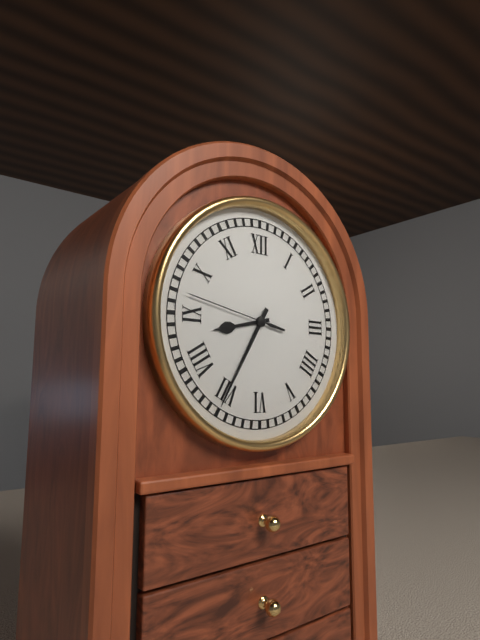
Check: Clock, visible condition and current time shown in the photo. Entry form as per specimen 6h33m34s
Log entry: 8h35m47s
